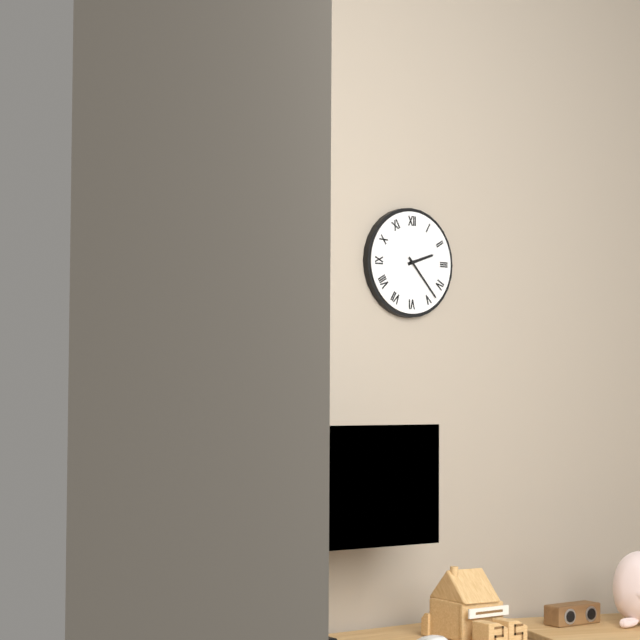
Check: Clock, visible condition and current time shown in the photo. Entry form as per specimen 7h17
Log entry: 2h23
